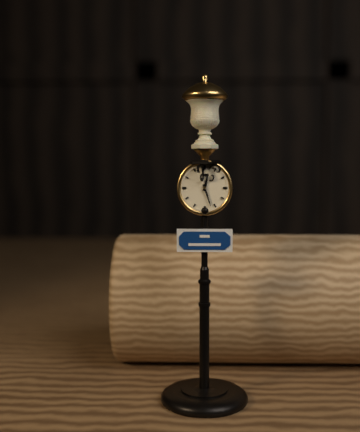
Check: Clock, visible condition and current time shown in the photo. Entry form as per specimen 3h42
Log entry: 12h27
